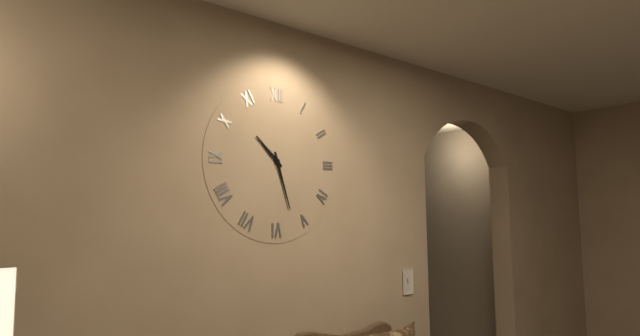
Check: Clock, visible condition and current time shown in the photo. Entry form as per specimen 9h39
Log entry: 10h27
